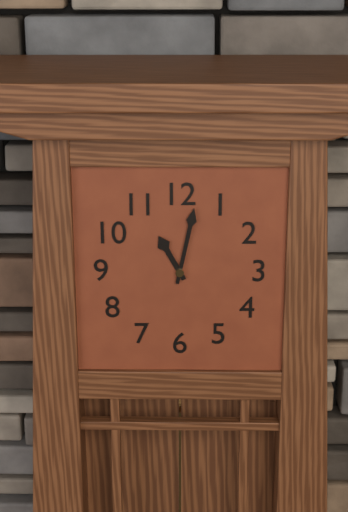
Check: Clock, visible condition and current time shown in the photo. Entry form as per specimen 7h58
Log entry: 11h02
